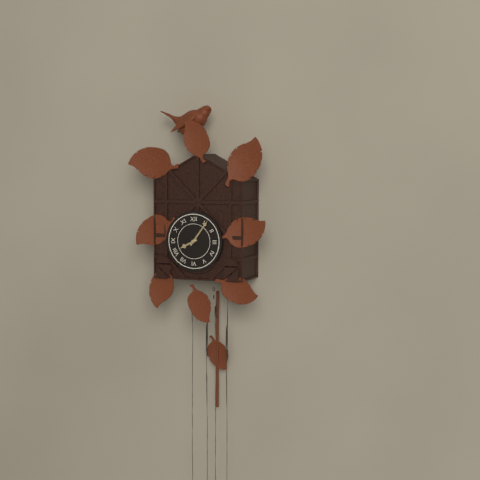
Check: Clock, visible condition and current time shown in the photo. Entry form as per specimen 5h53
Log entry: 8h06
